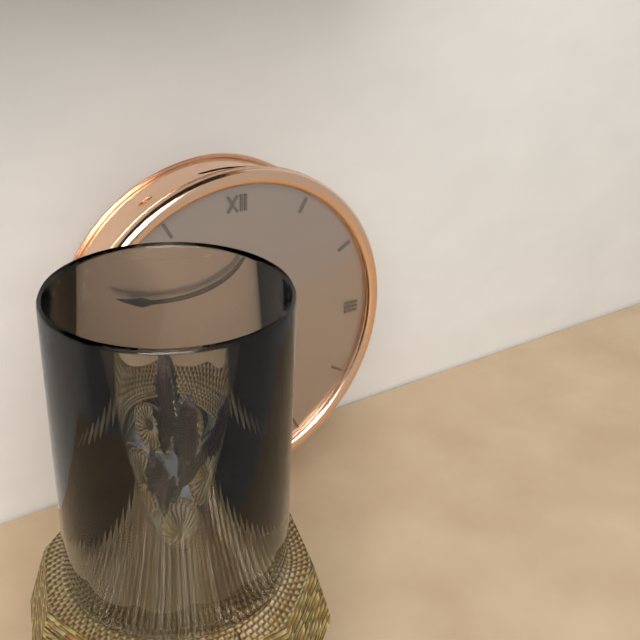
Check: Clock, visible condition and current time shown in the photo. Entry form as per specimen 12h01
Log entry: 5h47
